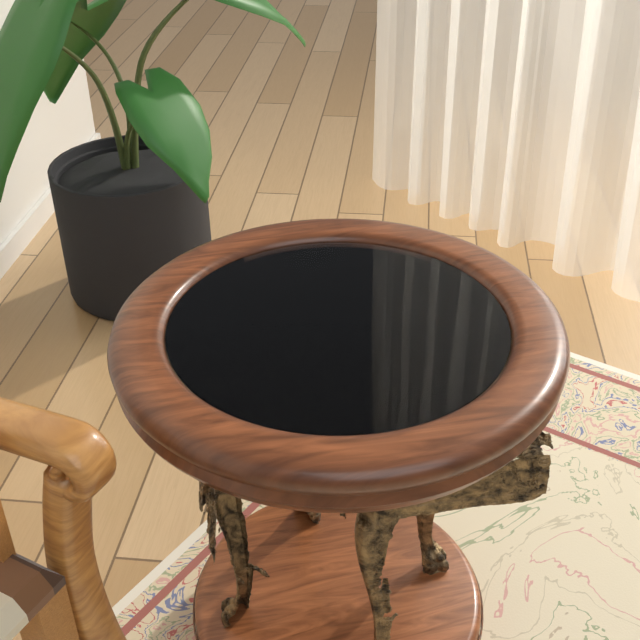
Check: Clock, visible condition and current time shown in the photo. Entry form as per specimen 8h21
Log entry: 11h42
